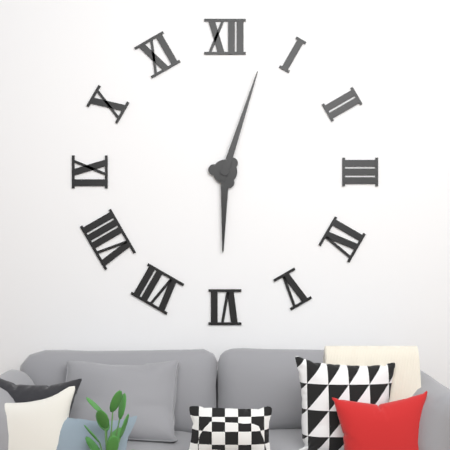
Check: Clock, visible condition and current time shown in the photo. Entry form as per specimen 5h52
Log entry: 6h03
